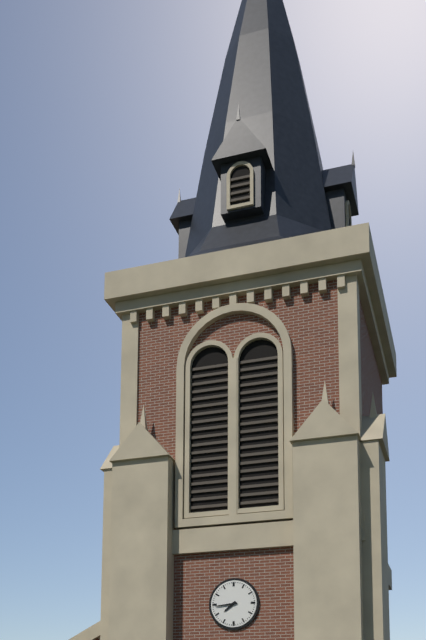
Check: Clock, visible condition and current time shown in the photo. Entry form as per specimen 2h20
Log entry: 7h44
